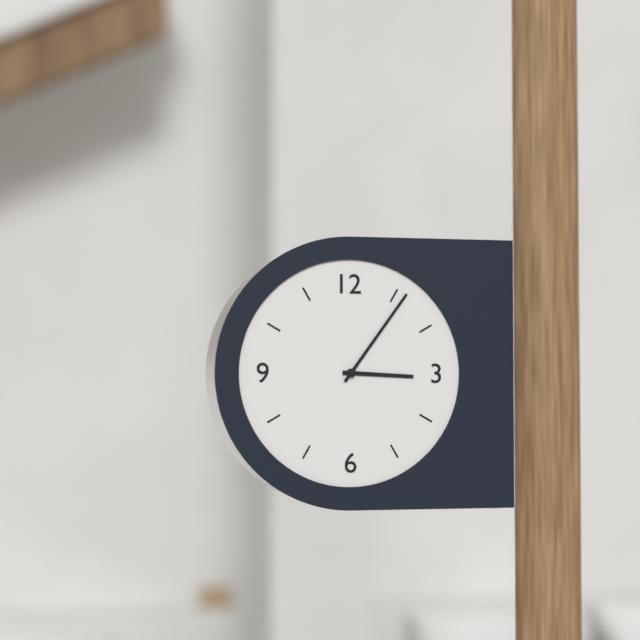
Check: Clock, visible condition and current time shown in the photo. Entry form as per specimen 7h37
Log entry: 3h06
